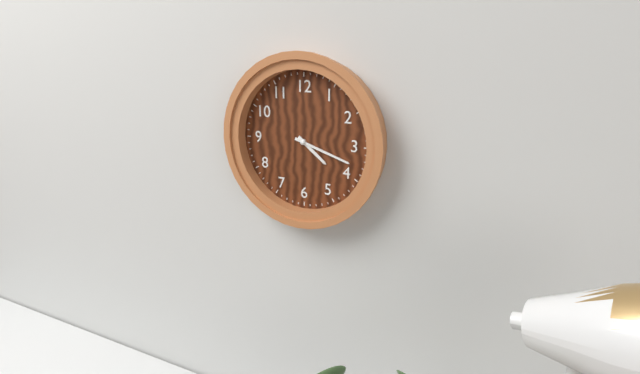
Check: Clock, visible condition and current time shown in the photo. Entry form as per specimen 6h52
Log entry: 4h18
